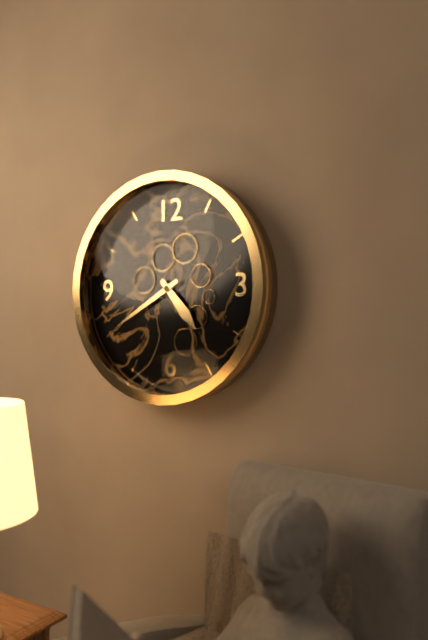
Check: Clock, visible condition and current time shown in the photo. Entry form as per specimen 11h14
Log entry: 4h40
